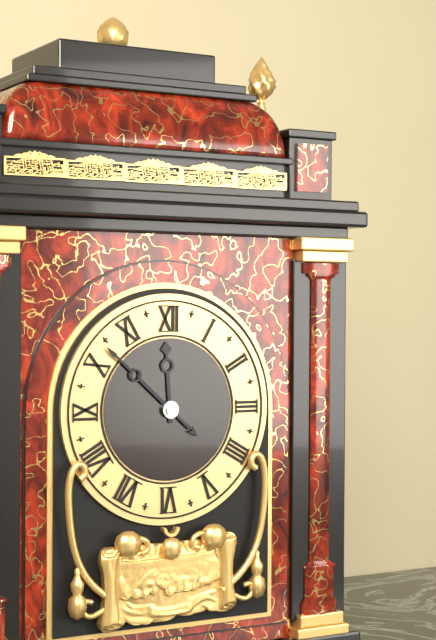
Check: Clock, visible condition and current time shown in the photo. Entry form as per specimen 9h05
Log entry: 11h52
